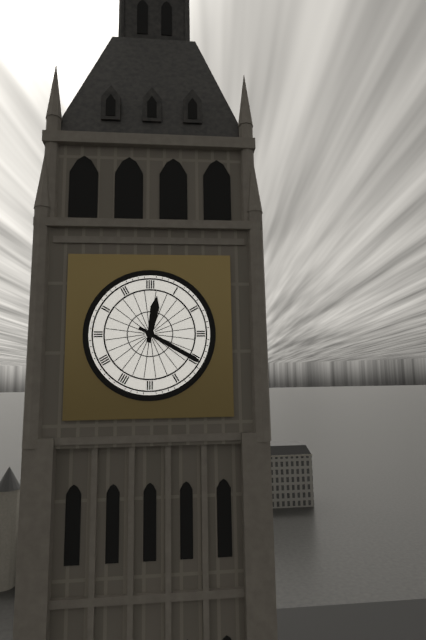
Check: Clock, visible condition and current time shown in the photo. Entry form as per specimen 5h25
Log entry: 12h20
